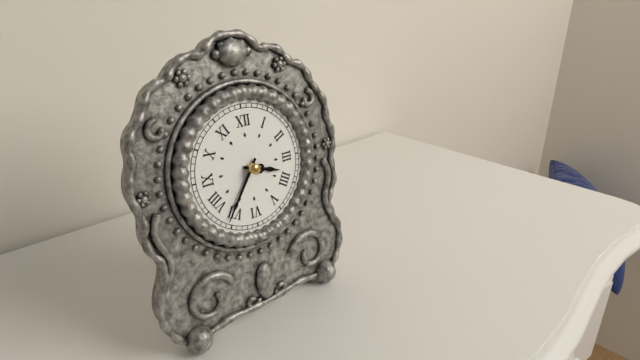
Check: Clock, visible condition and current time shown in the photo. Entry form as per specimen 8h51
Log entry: 3h36
